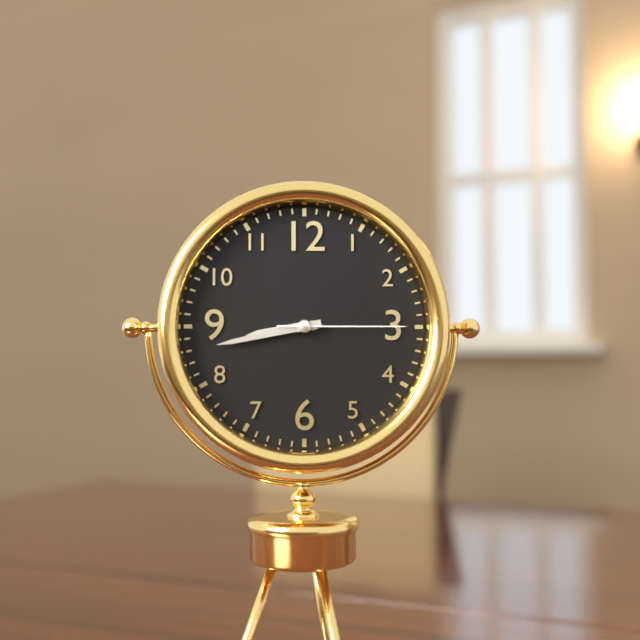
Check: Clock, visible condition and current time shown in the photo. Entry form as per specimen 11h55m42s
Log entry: 8h43m15s
